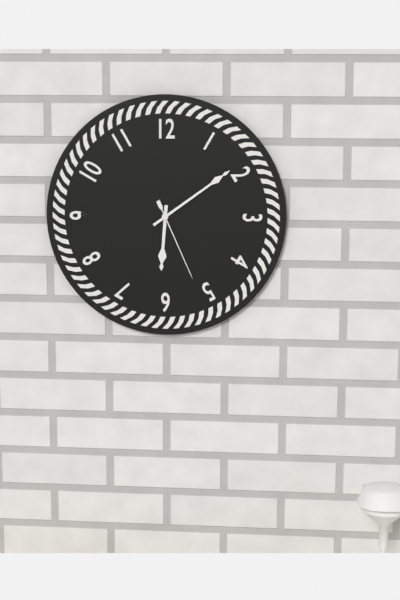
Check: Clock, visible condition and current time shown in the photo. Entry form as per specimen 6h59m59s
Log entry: 6h09m26s
